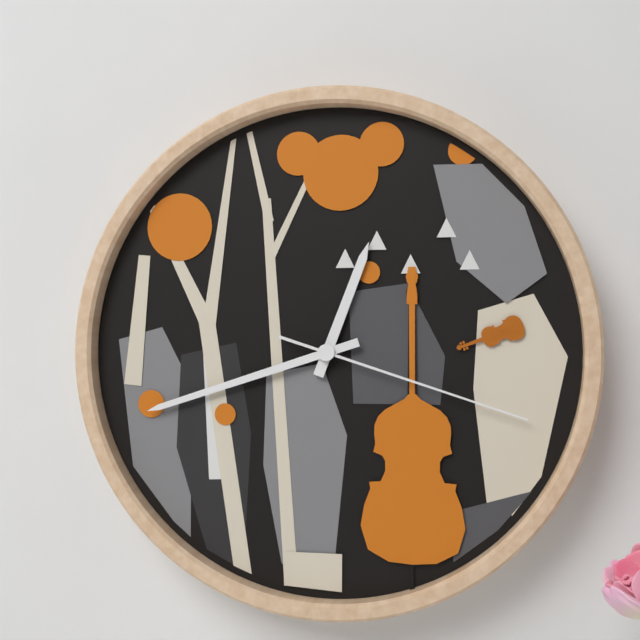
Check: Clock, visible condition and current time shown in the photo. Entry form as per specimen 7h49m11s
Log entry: 12h42m18s
